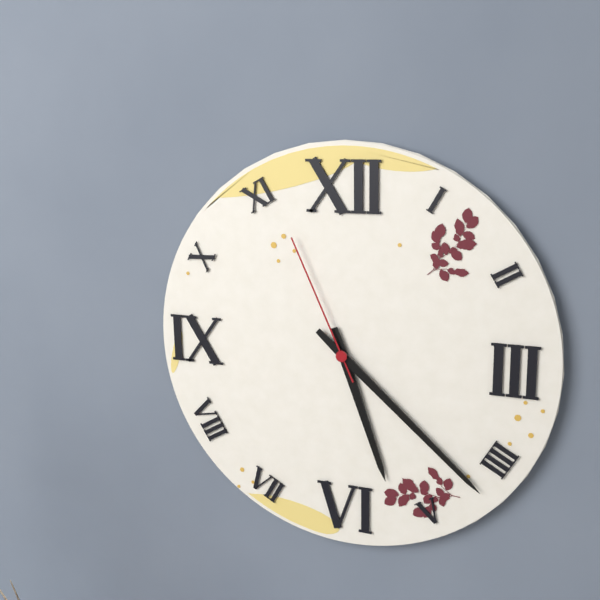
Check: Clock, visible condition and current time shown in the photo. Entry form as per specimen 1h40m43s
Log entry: 5h22m56s
